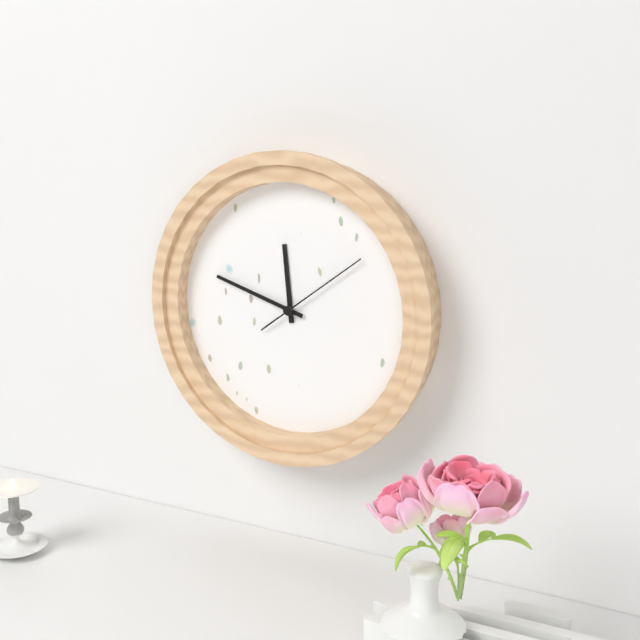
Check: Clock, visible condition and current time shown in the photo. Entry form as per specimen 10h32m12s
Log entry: 11h48m09s
